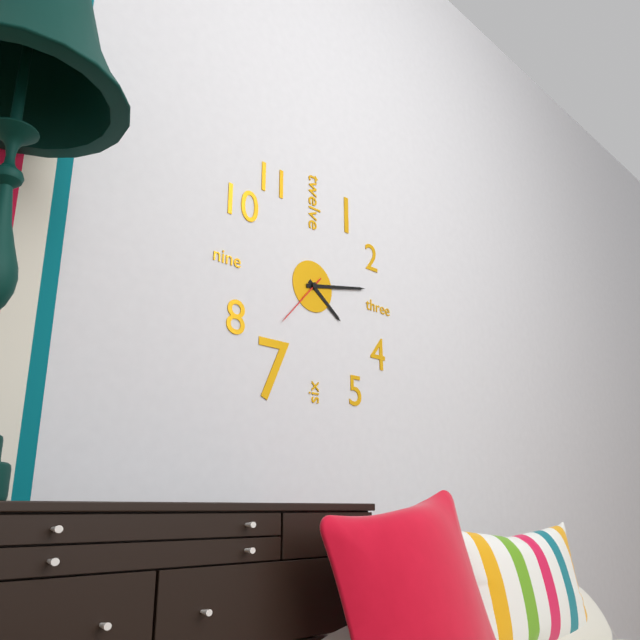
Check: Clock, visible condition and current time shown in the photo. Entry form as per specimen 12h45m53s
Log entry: 4h13m37s
